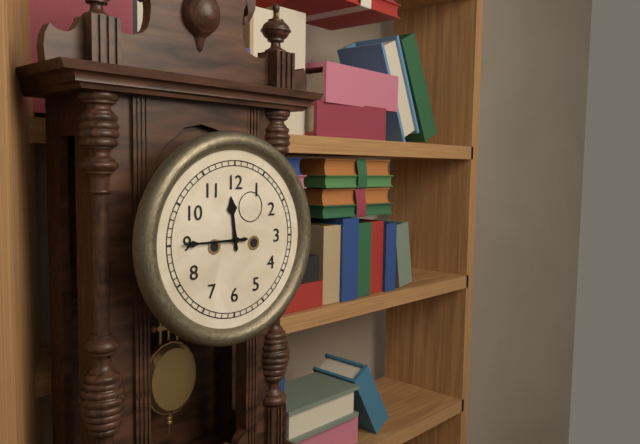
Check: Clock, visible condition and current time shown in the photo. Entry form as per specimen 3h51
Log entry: 11h45
